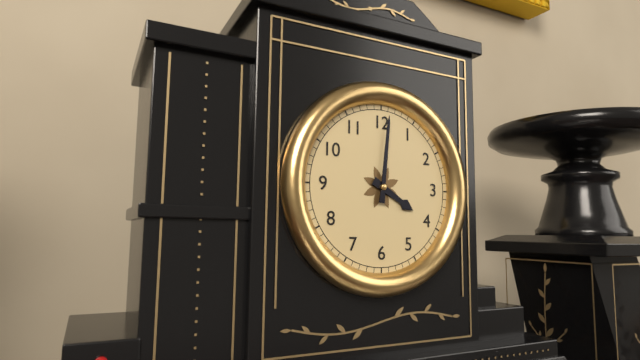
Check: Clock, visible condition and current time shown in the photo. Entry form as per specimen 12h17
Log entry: 4h01
